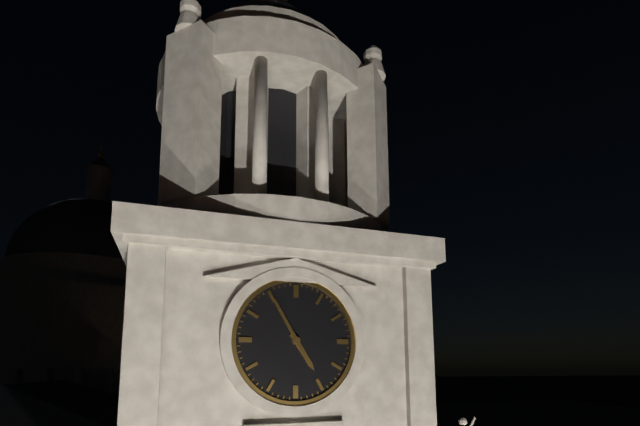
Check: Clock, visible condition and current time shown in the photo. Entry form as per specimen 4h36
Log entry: 4h55
